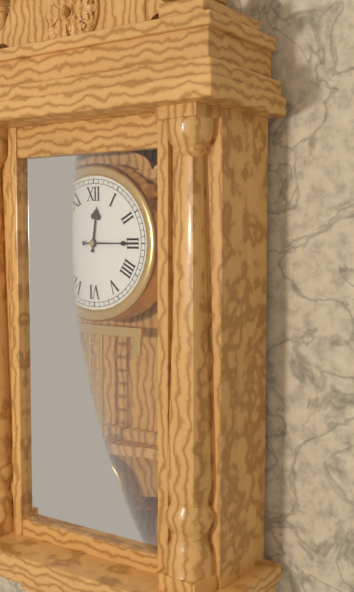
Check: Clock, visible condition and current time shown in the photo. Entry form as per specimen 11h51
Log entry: 12h15
